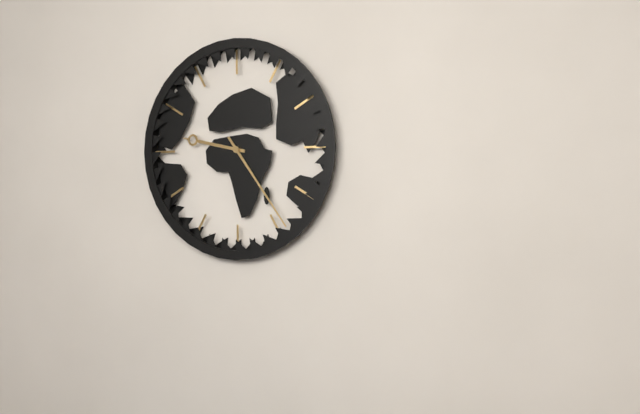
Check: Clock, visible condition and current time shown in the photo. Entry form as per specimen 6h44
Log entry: 9h24
